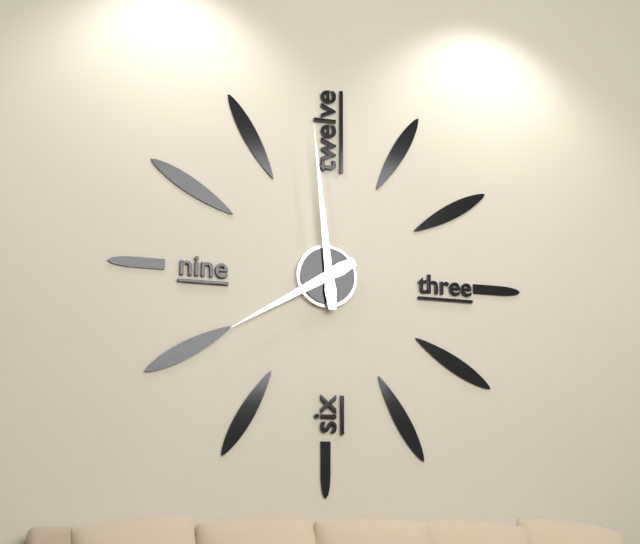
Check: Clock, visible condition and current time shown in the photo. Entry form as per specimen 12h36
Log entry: 7h59
